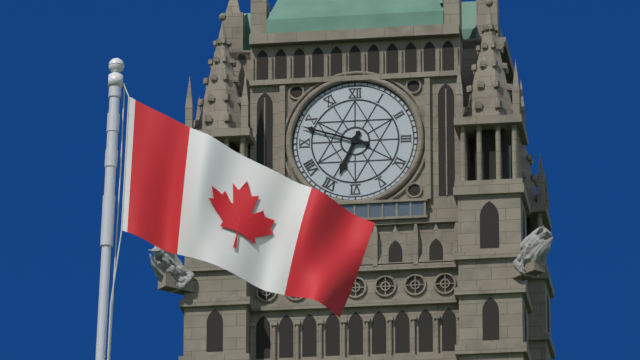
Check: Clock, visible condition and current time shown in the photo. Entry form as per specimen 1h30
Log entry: 6h48
